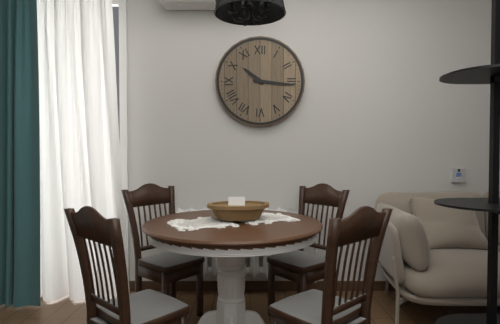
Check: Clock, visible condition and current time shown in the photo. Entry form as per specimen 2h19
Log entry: 10h16
